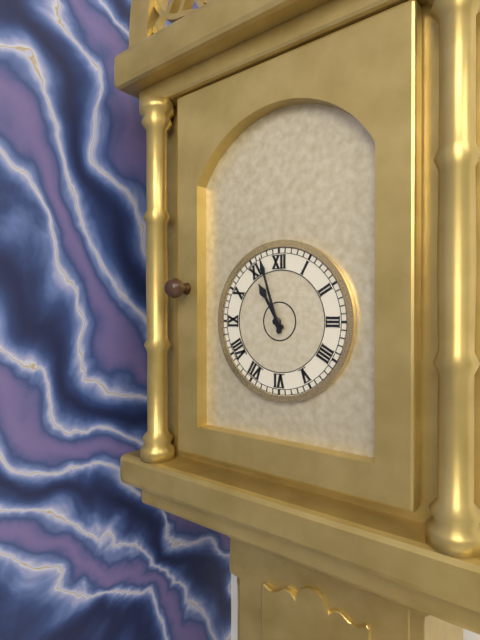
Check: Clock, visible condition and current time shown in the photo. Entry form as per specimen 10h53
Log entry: 10h57
